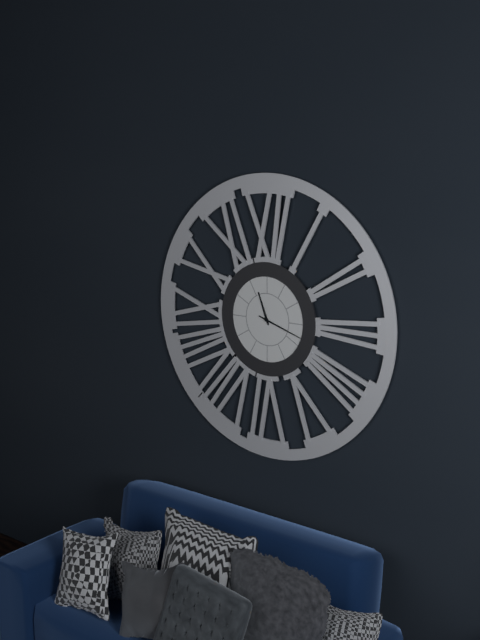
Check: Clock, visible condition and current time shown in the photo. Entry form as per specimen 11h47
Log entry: 11h18
